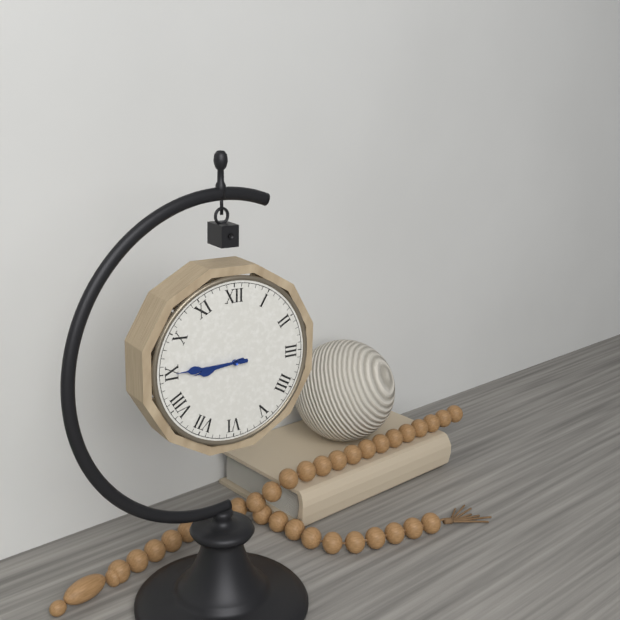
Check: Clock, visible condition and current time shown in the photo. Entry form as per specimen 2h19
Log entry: 8h45
